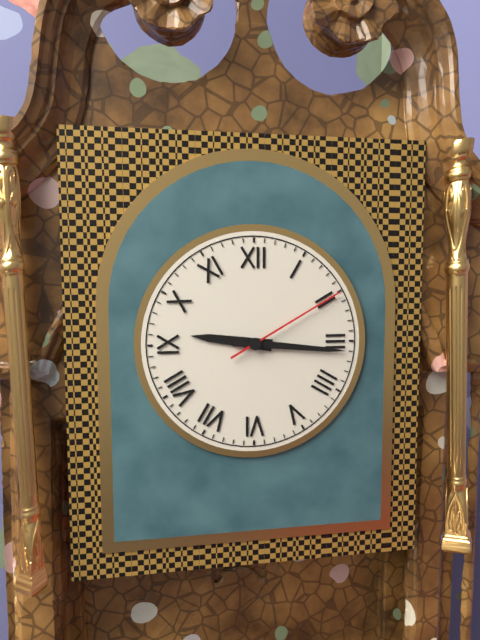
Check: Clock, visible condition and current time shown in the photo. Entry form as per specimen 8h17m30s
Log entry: 9h16m10s
